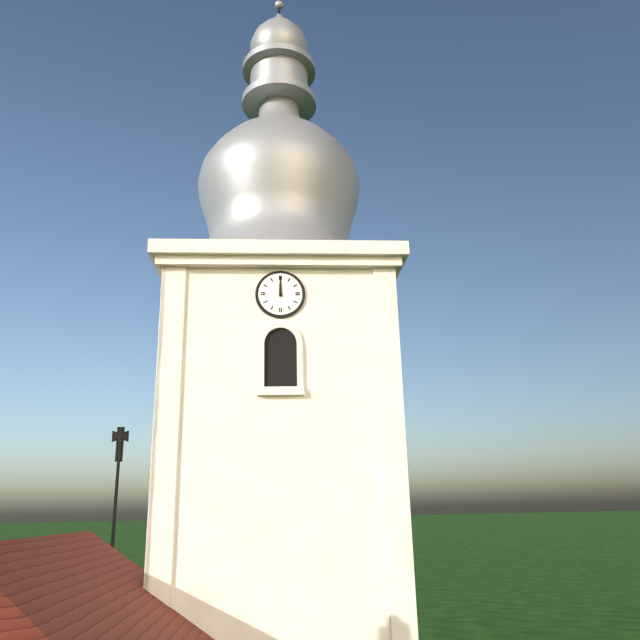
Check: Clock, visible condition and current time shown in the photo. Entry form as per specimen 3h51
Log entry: 12h00
